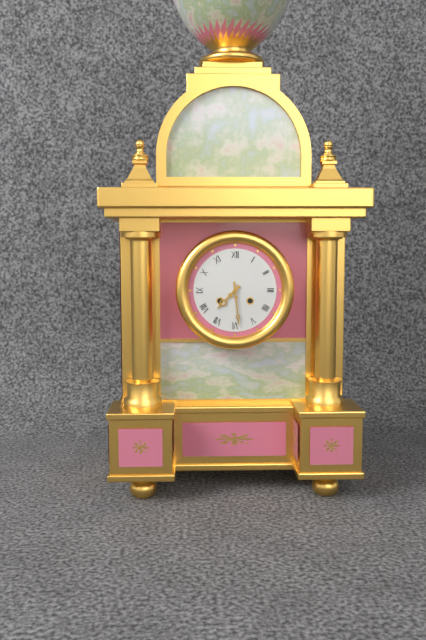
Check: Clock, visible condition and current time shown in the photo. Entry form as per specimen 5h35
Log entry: 7h29
